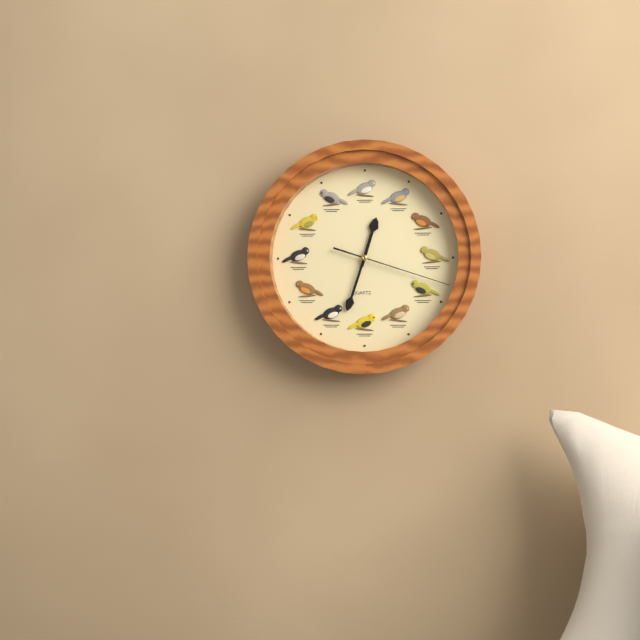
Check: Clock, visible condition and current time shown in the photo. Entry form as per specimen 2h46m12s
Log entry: 12h33m18s
